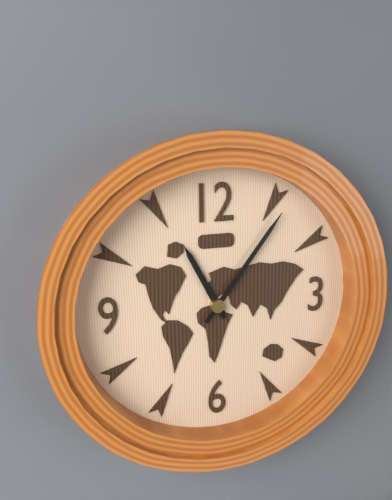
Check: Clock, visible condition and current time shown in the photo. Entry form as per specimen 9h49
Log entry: 11h06
